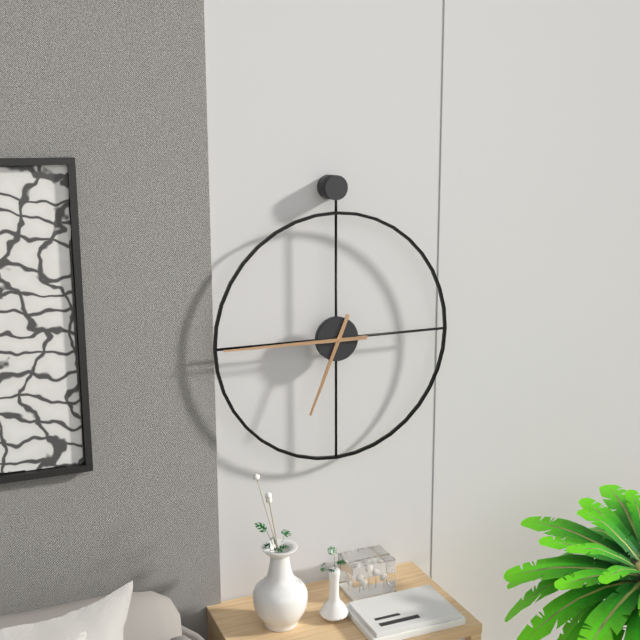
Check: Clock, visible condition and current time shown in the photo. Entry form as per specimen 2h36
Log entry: 6h45
